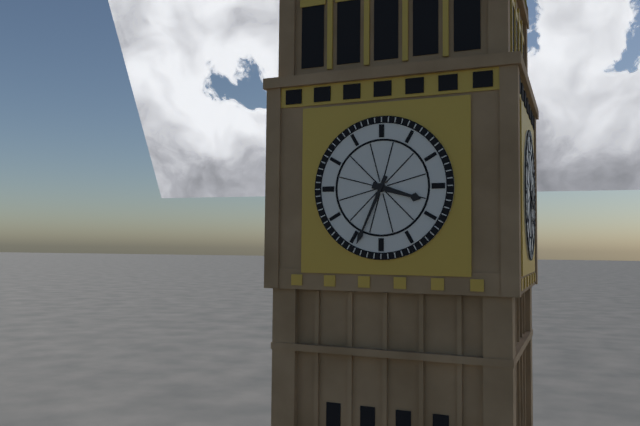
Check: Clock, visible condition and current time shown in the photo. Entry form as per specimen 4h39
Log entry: 3h34
